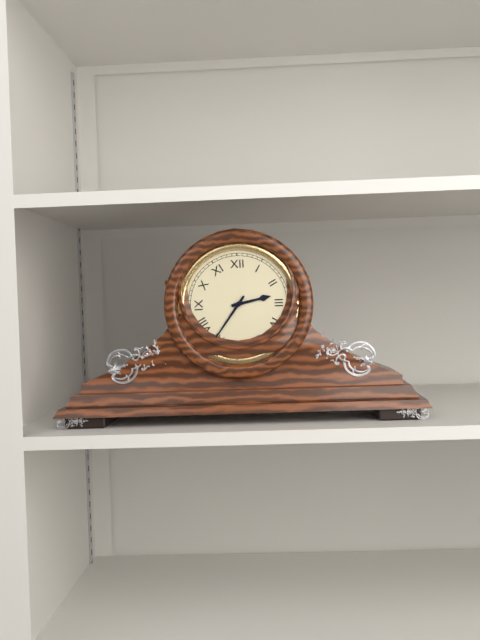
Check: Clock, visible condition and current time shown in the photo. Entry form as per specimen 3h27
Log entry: 2h36
